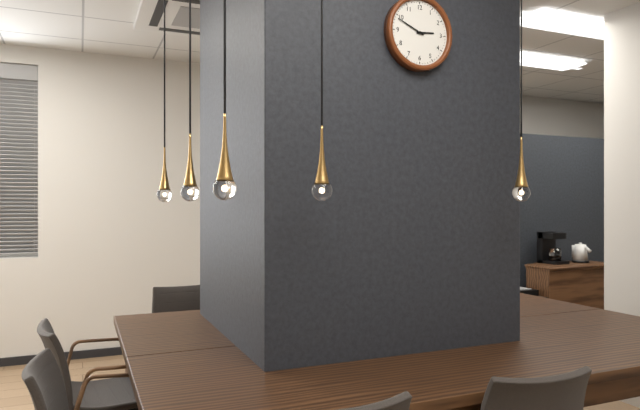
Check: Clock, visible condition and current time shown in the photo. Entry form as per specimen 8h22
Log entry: 2h49
